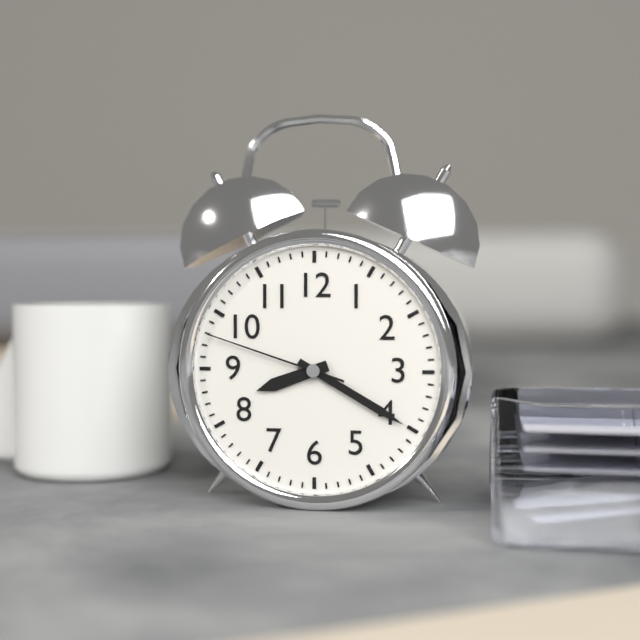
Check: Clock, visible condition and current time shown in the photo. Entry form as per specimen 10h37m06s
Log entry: 8h20m48s
